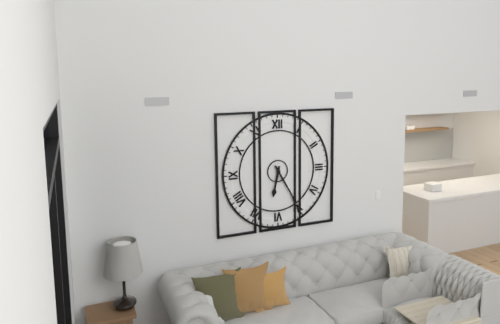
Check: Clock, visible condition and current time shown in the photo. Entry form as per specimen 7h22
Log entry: 6h25
